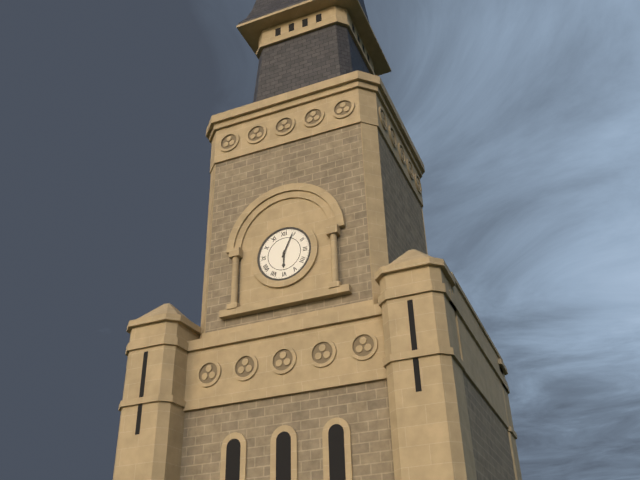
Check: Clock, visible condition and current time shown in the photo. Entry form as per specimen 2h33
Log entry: 6h04
